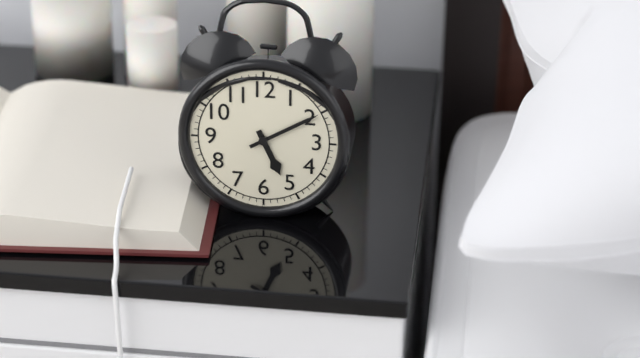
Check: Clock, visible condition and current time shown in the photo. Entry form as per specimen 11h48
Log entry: 5h10
